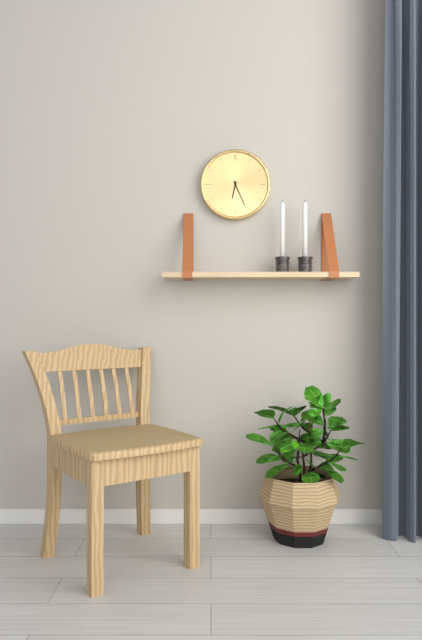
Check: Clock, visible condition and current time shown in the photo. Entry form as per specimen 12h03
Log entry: 6h26
